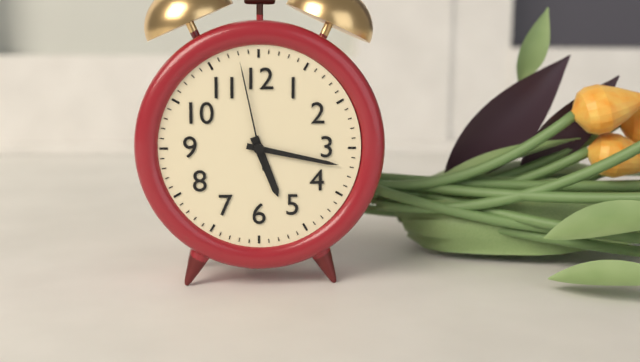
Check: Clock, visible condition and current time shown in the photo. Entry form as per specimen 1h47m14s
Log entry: 5h17m58s
